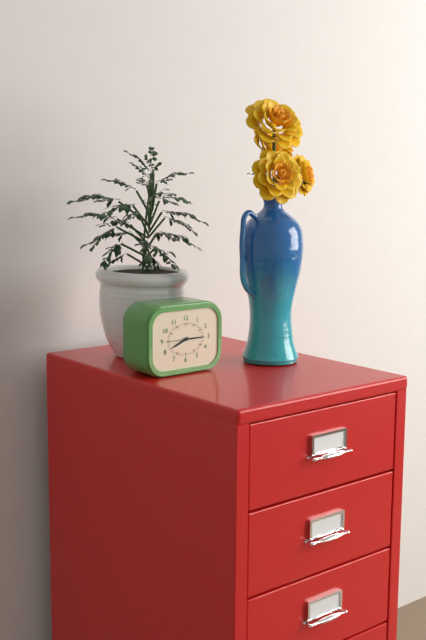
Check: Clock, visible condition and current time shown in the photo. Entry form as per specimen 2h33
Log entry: 8h15
